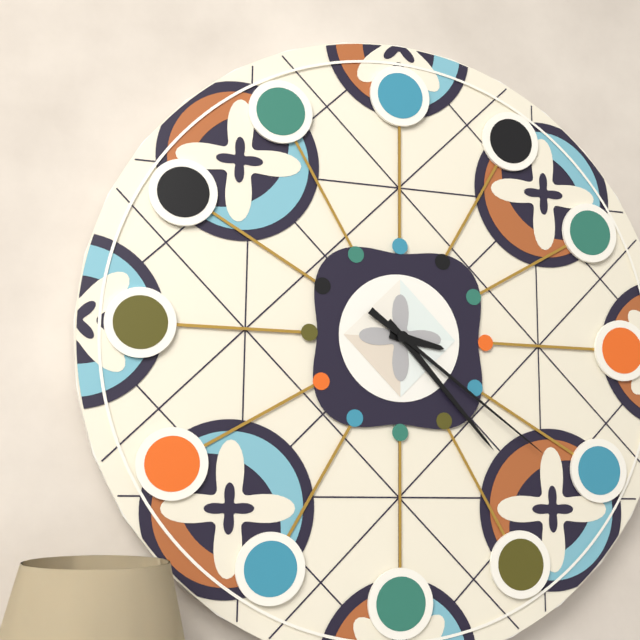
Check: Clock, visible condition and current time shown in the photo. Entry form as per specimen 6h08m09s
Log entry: 3h23m21s
